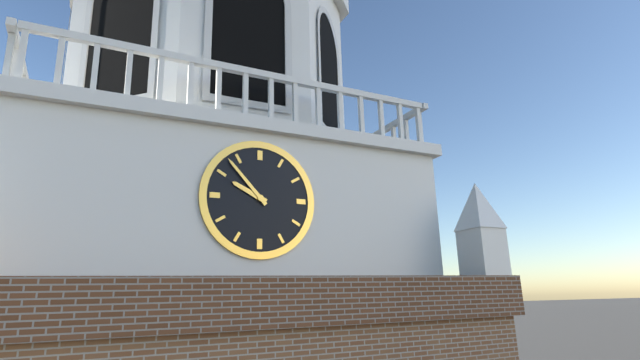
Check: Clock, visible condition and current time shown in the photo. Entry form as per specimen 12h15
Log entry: 9h53
